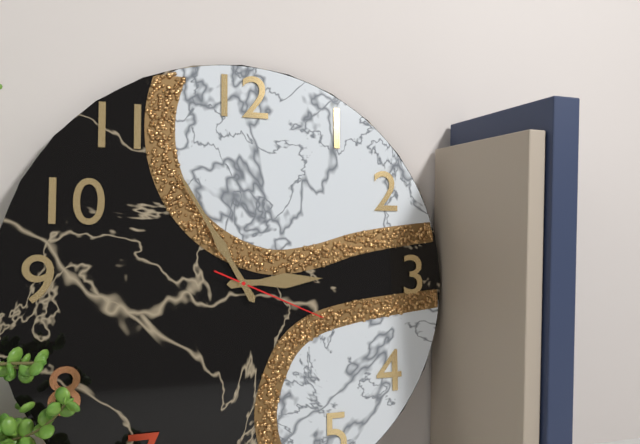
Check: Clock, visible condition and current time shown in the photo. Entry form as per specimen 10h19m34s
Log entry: 2h55m19s
